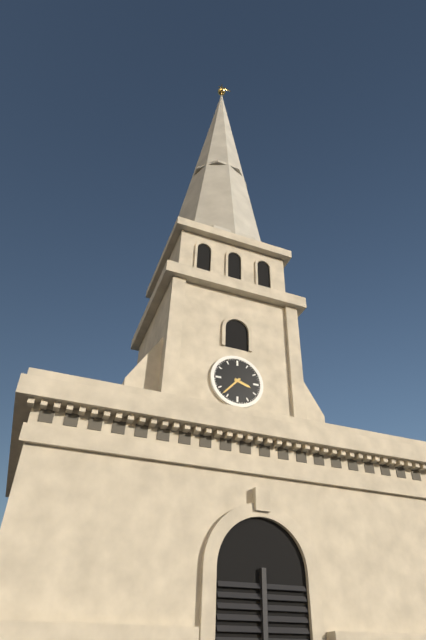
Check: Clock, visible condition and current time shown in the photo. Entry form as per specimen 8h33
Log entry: 3h37
